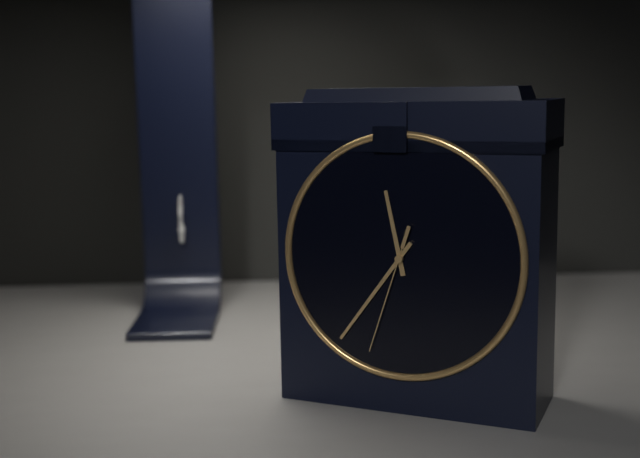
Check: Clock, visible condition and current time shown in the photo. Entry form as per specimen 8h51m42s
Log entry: 11h36m33s
